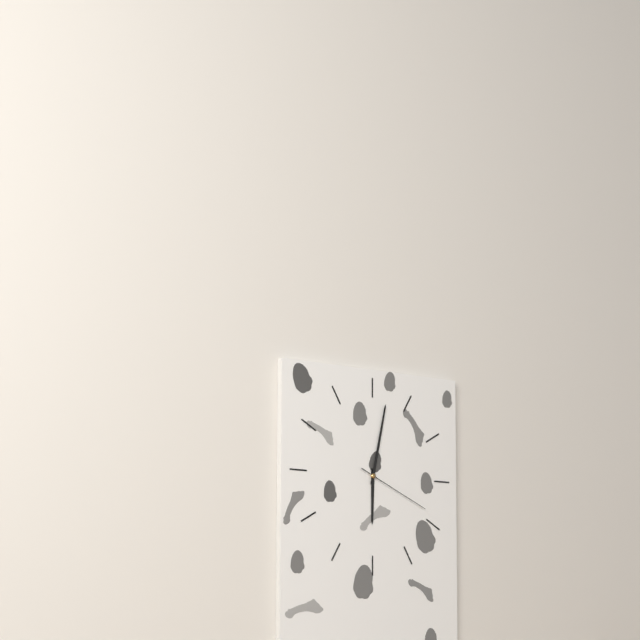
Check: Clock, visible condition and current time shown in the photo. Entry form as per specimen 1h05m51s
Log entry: 6h02m19s
